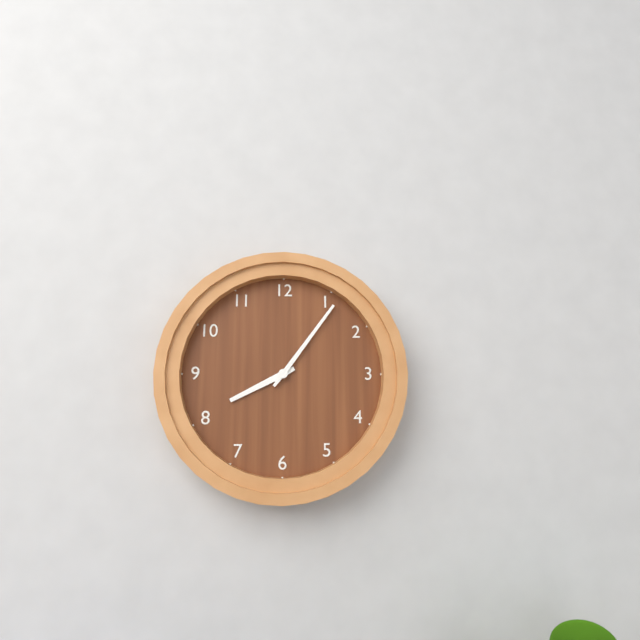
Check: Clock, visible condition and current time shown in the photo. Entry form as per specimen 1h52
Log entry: 8h06
